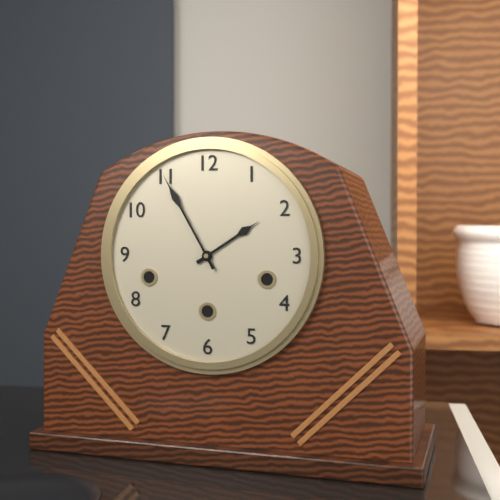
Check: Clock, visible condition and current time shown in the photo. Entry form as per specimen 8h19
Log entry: 1h55
